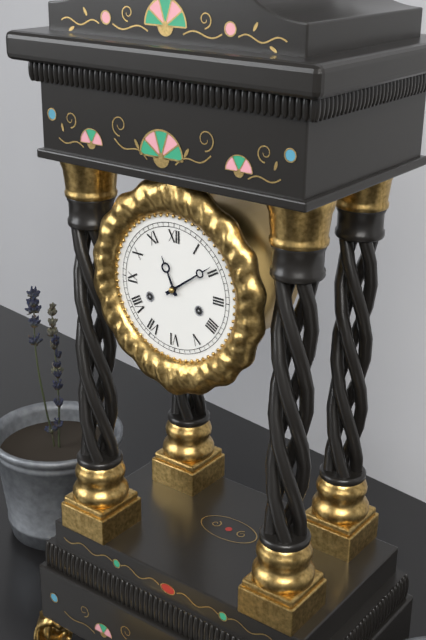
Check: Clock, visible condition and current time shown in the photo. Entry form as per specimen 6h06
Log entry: 11h09
